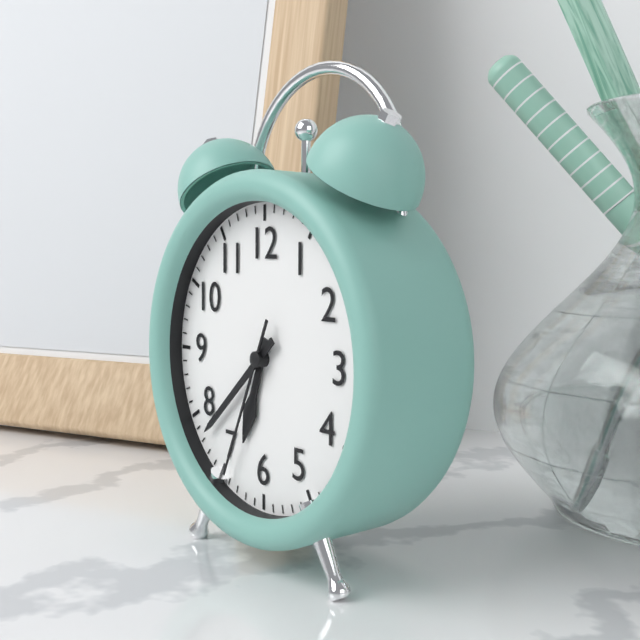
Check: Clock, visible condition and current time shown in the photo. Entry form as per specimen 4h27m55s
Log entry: 6h38m34s
